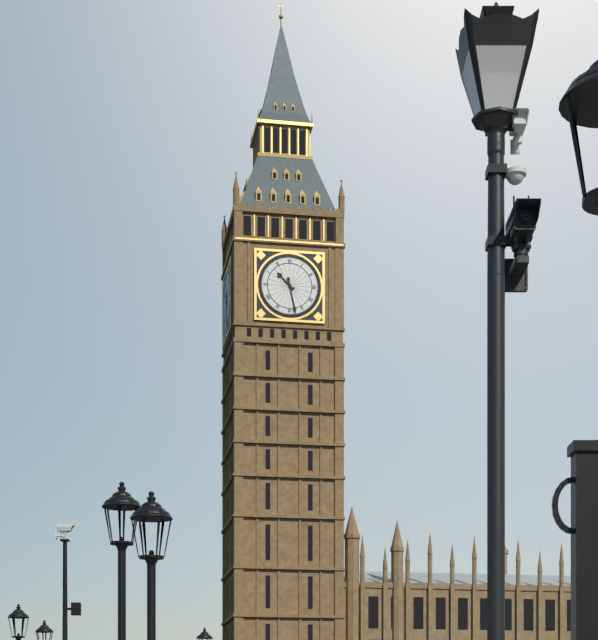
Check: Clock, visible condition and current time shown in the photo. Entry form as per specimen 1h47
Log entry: 10h28
